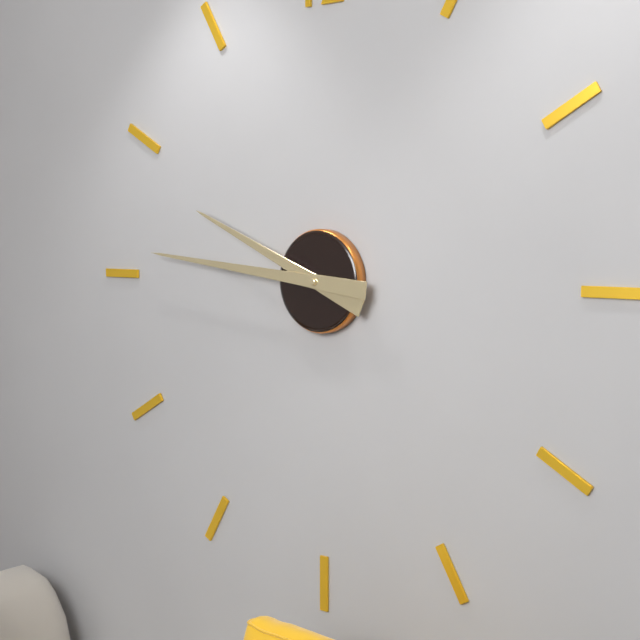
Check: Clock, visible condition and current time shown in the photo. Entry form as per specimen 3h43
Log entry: 9h46
